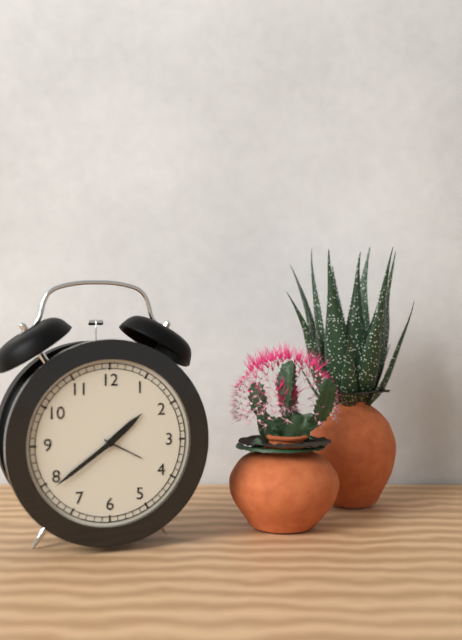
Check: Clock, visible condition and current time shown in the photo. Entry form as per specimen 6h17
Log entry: 1h39
